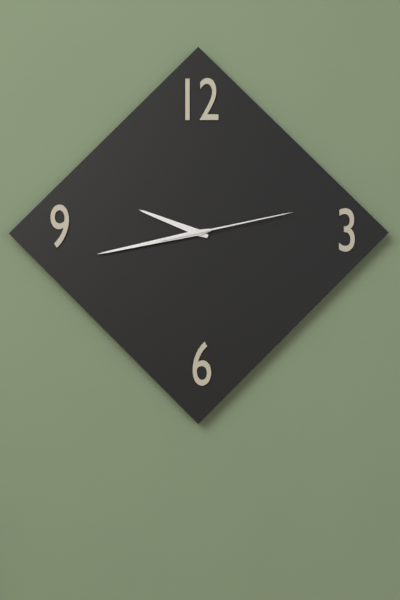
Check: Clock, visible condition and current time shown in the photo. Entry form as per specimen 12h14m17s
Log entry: 9h43m13s
